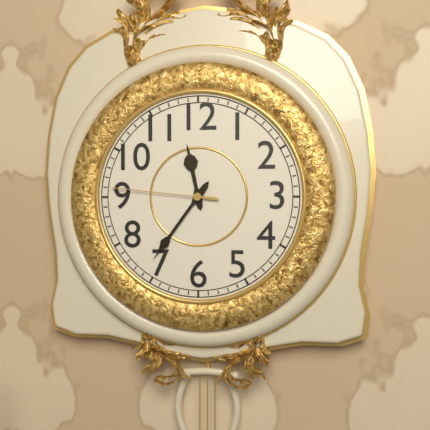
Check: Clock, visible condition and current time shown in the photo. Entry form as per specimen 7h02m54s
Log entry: 11h36m46s
